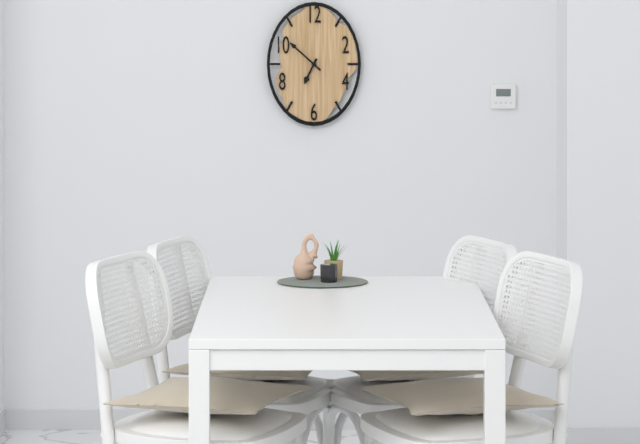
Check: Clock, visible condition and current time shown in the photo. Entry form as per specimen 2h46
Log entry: 6h52
